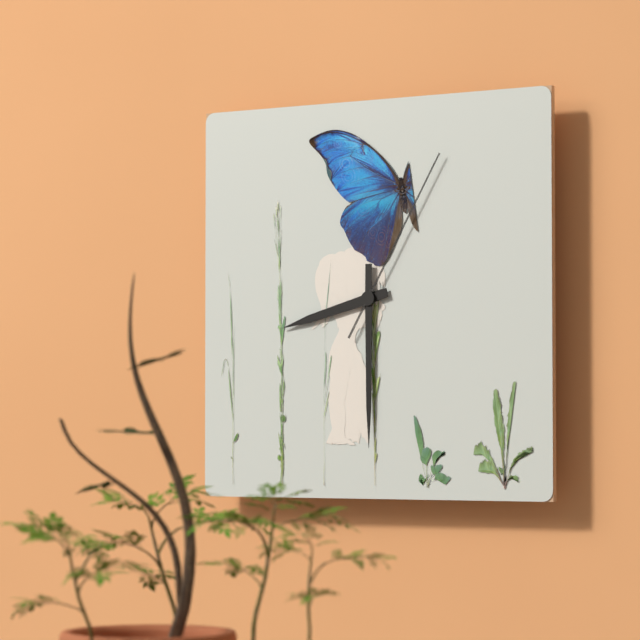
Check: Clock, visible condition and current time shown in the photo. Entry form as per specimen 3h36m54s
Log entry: 8h30m05s
